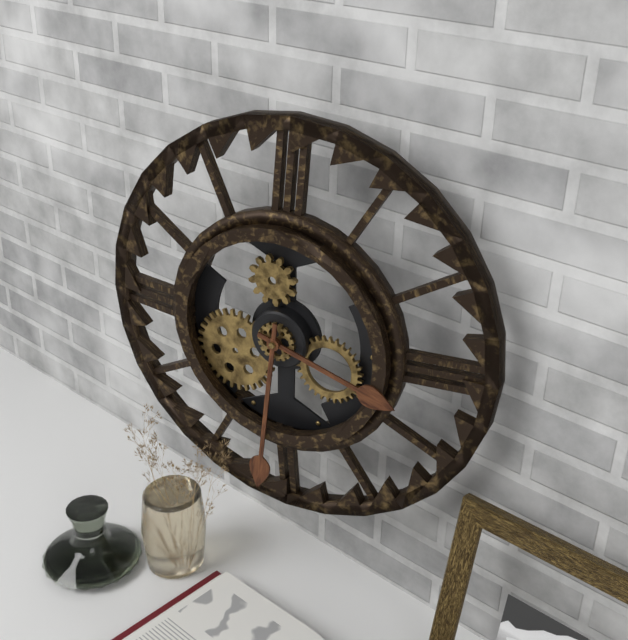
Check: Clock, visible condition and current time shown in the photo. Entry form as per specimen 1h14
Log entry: 3h31
